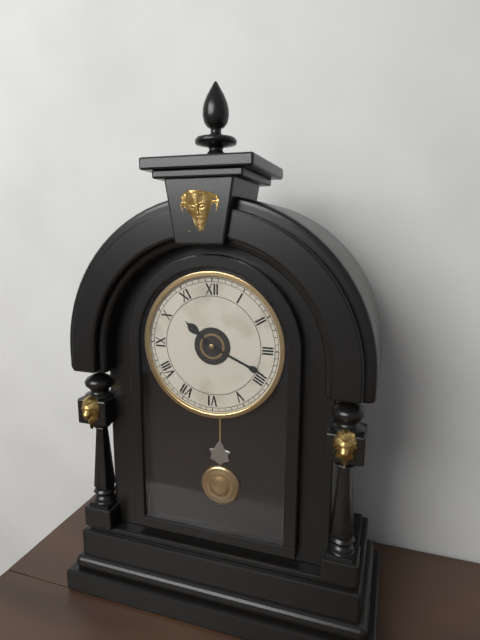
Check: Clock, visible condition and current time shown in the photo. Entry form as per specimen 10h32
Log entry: 10h19
